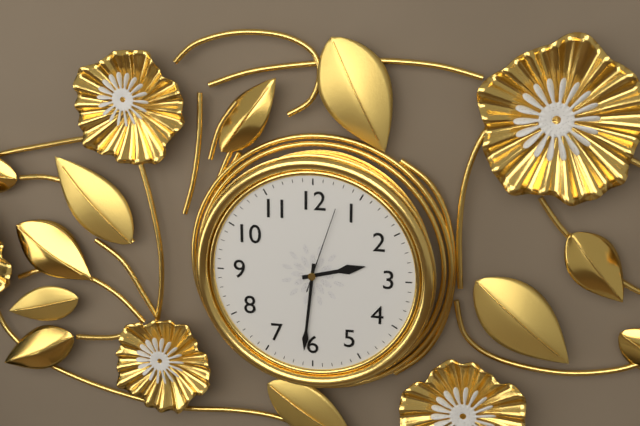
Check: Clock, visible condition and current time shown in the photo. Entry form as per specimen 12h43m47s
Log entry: 2h31m03s
